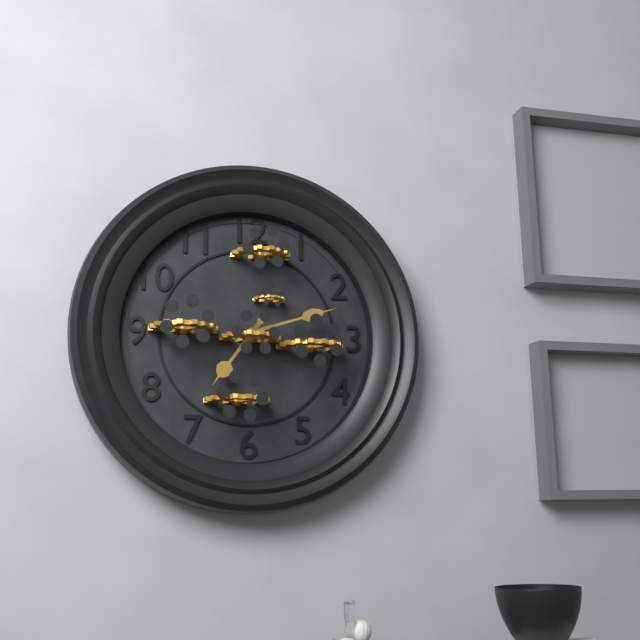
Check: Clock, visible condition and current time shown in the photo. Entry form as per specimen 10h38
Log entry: 7h12
